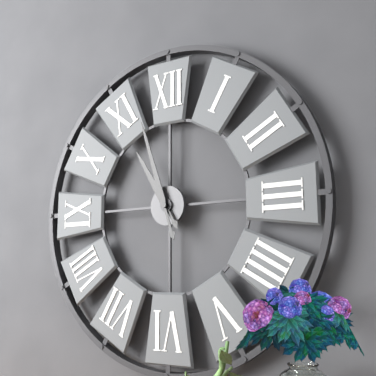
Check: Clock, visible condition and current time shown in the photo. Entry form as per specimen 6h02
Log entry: 10h57
